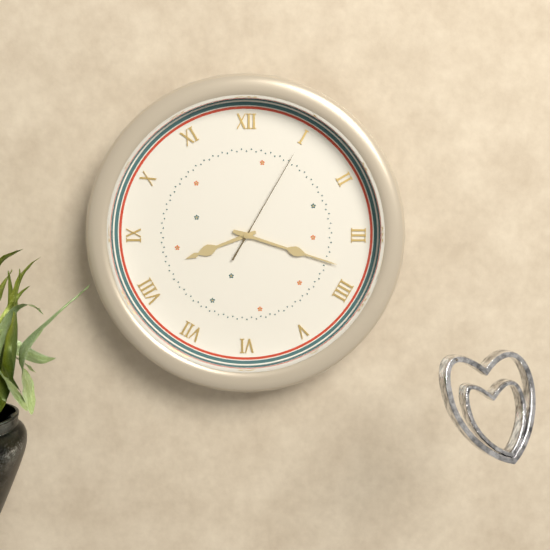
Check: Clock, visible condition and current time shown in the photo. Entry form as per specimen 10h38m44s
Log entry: 8h18m05s
